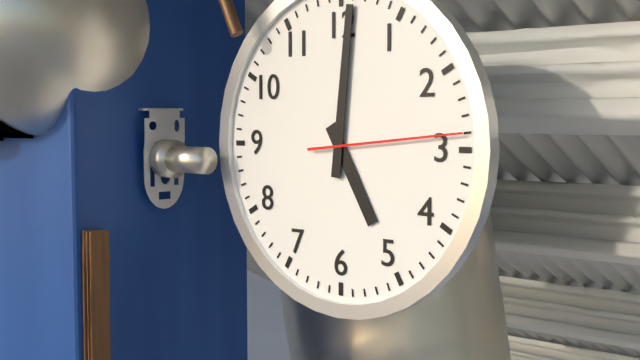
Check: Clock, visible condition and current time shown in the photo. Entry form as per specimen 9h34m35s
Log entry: 5h01m14s
